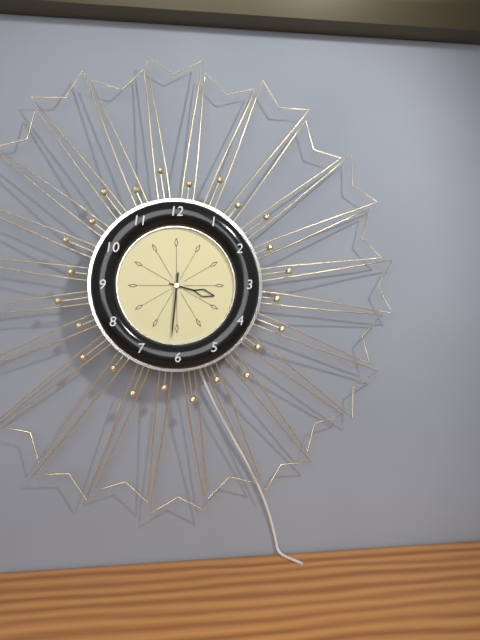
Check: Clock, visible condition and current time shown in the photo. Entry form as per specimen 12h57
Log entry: 3h31
